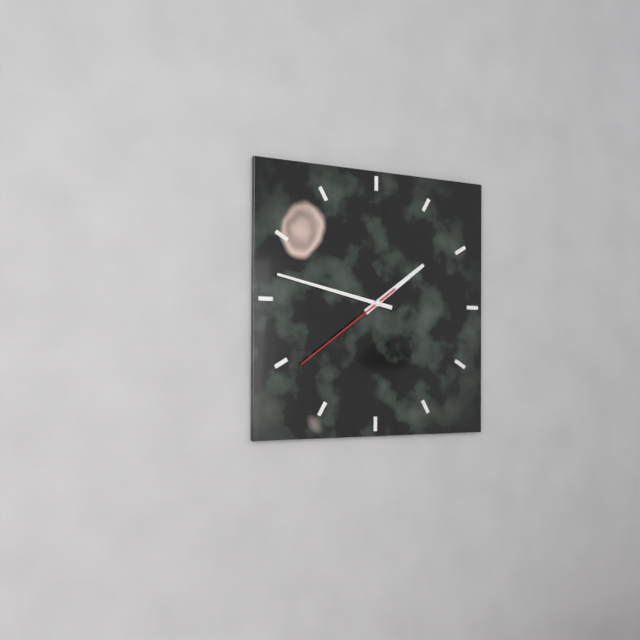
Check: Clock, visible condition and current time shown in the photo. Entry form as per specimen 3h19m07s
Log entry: 1h47m39s
